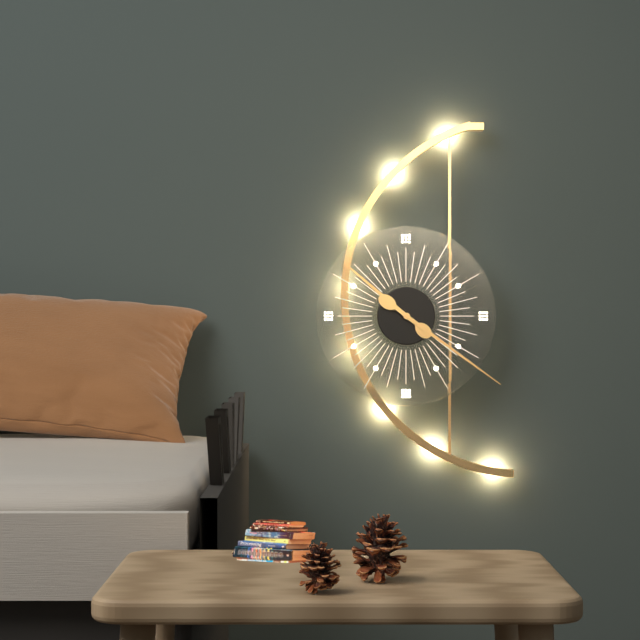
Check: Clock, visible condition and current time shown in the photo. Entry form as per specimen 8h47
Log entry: 10h21
